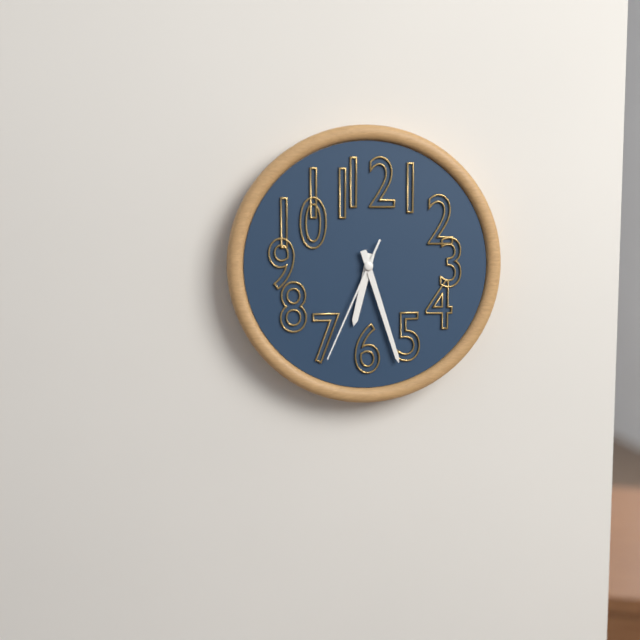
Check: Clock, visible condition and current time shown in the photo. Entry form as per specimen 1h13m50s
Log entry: 6h27m34s
